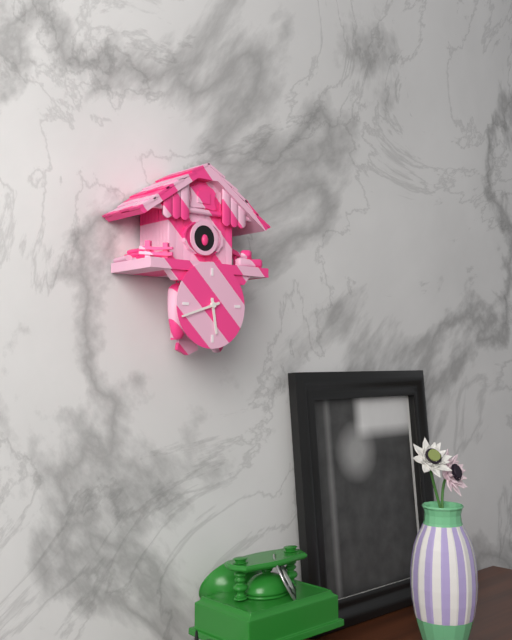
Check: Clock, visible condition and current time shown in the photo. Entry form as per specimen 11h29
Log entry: 5h42
